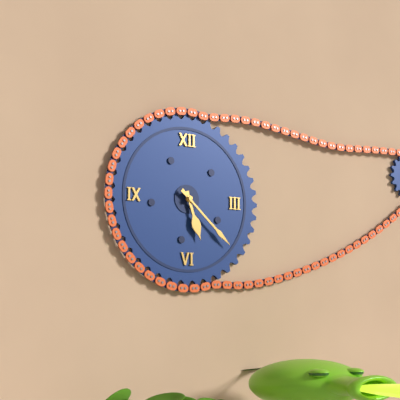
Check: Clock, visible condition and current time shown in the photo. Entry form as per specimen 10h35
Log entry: 5h22
